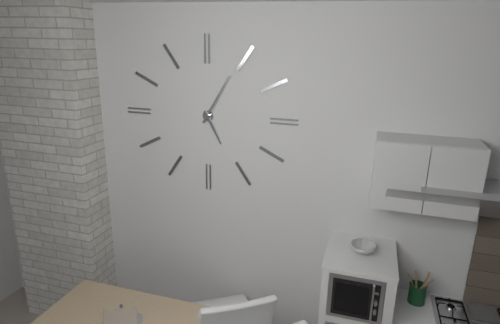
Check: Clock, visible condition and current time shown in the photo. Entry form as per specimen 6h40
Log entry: 5h05
